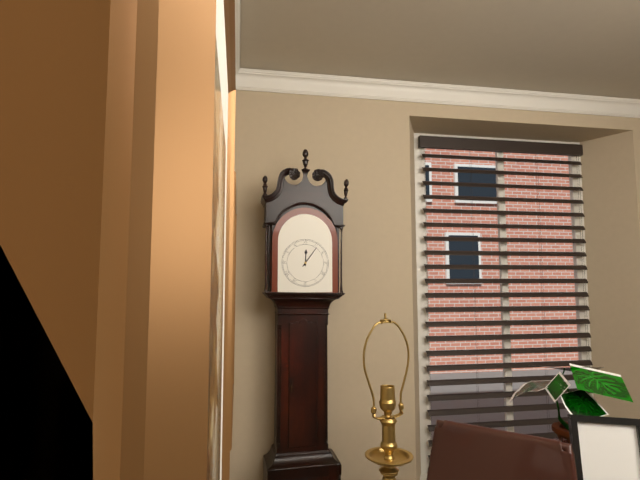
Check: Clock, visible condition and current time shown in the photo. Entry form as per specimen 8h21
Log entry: 12h06
